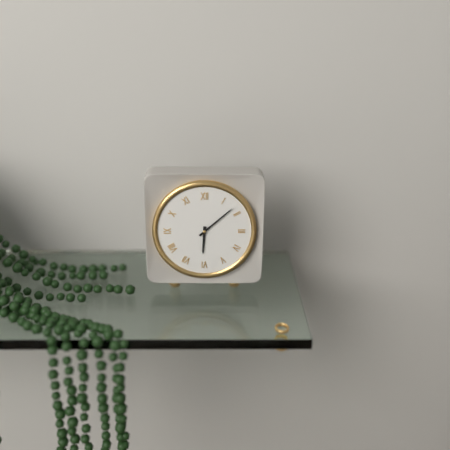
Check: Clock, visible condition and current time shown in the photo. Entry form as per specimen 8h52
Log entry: 6h08
